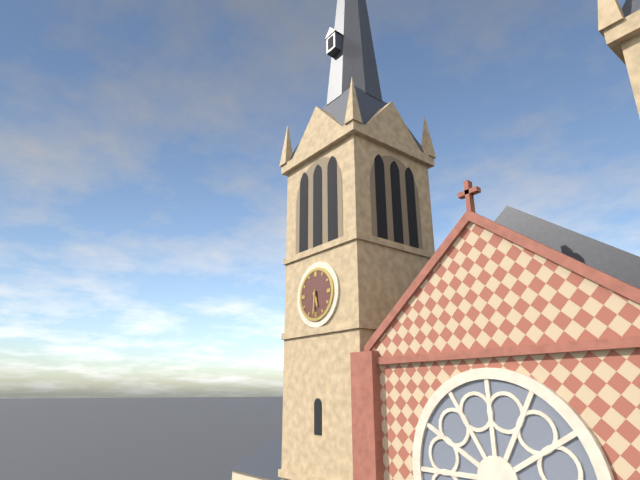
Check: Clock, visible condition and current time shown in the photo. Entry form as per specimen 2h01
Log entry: 5h31
